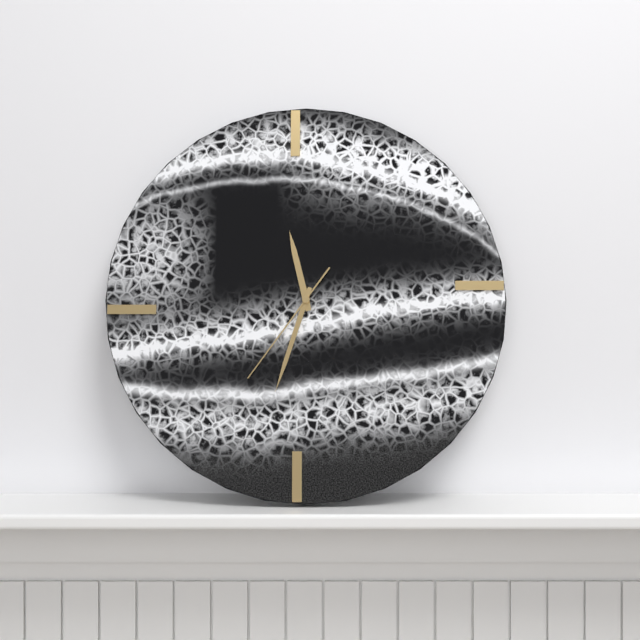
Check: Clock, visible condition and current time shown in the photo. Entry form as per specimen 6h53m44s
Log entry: 11h33m36s
